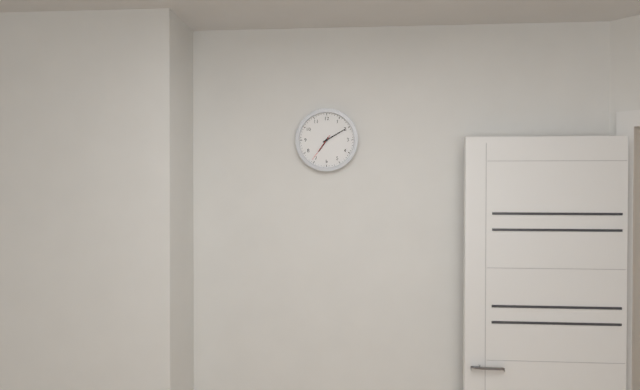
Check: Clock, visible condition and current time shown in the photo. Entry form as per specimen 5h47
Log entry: 7h10
